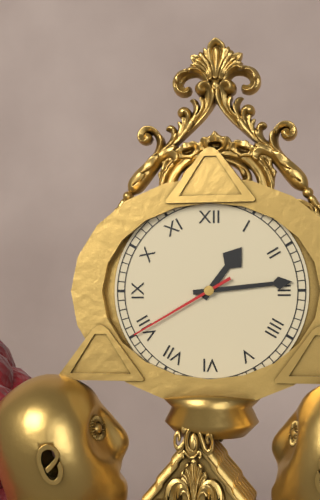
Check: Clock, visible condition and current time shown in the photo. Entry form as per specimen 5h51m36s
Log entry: 1h14m40s
